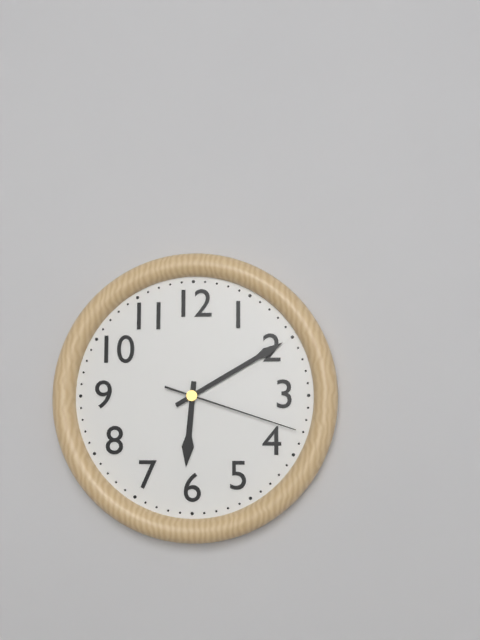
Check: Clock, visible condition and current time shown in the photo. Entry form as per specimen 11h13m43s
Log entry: 6h10m18s
